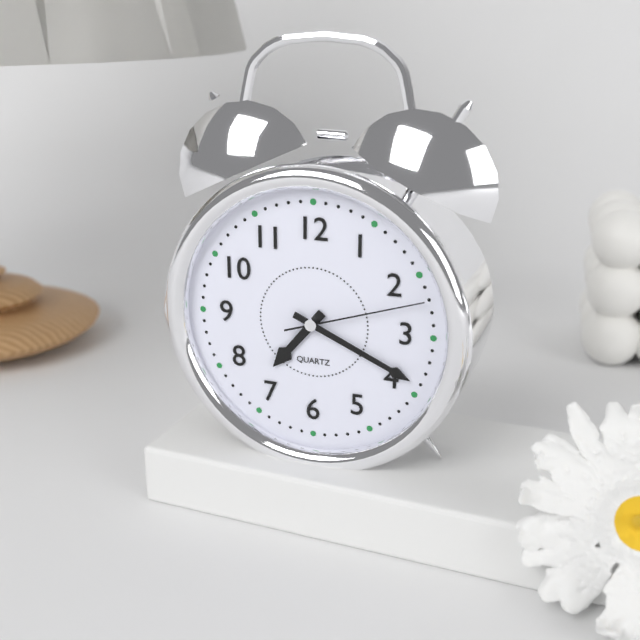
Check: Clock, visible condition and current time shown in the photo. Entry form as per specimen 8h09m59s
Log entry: 7h19m12s
